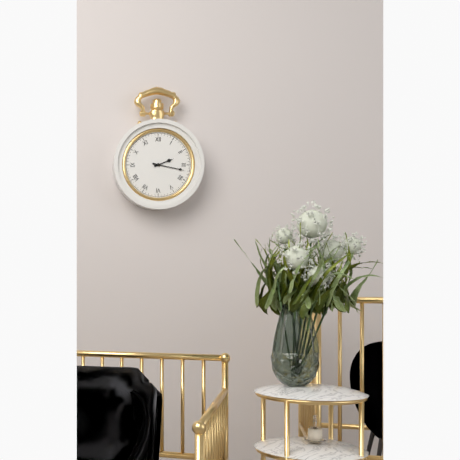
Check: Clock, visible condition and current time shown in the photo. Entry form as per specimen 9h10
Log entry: 2h17
